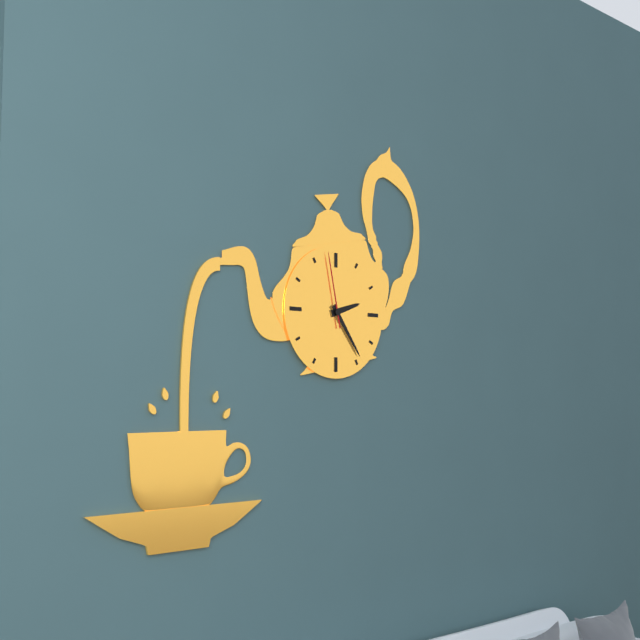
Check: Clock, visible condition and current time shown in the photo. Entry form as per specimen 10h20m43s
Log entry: 2h24m58s
